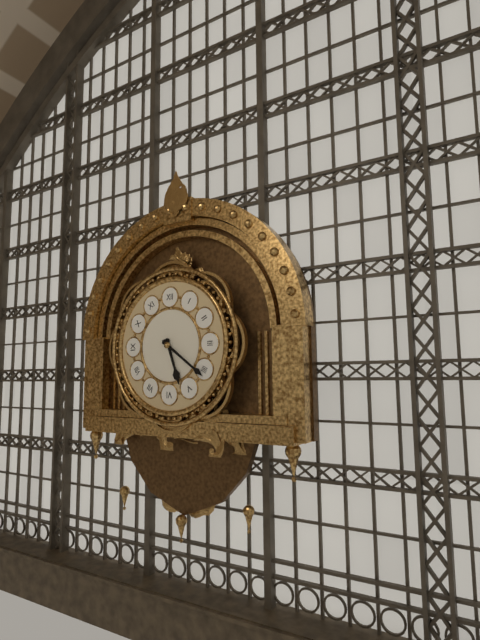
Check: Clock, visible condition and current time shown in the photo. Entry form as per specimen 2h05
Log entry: 5h21
